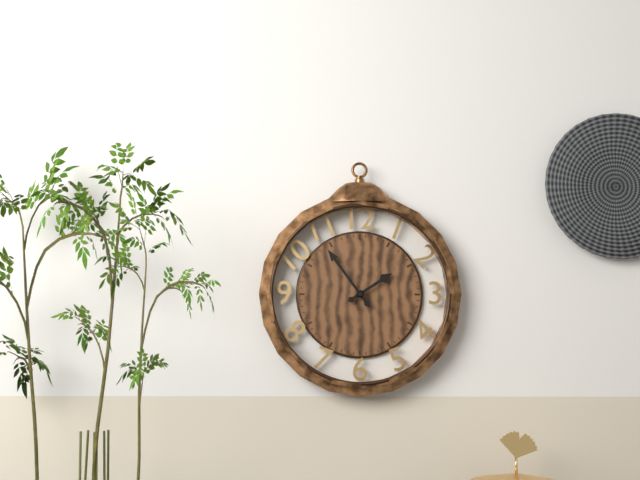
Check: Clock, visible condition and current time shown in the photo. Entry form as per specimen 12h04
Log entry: 1h54
